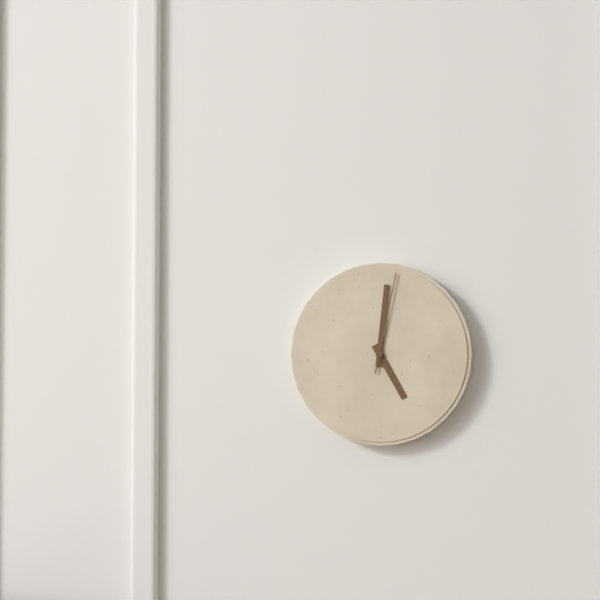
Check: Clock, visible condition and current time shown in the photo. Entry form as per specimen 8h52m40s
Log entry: 5h01m02s
